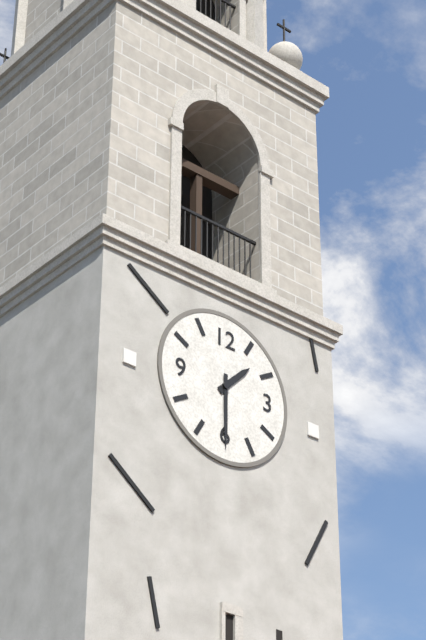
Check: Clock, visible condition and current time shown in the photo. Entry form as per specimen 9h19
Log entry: 1h30
